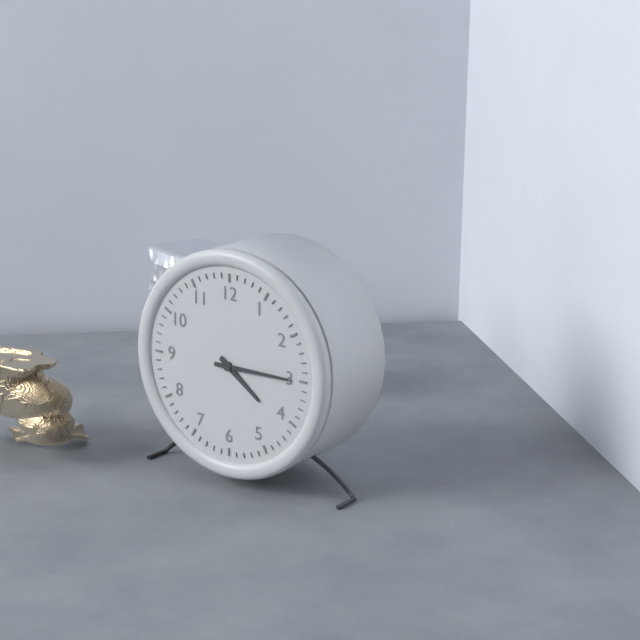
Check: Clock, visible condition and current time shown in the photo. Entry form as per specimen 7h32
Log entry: 4h15
